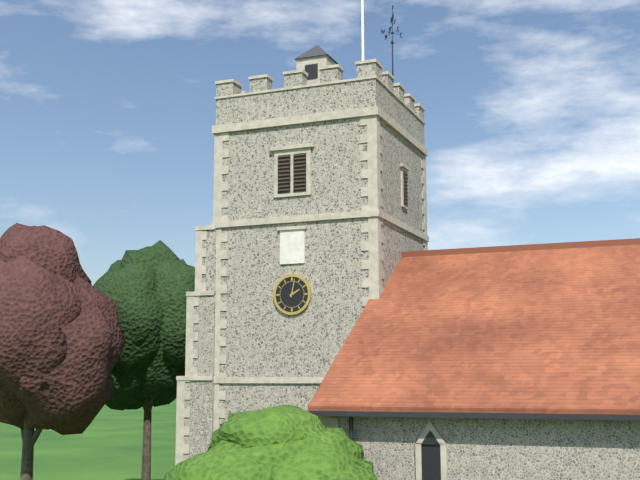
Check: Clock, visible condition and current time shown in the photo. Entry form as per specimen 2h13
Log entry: 2h02
